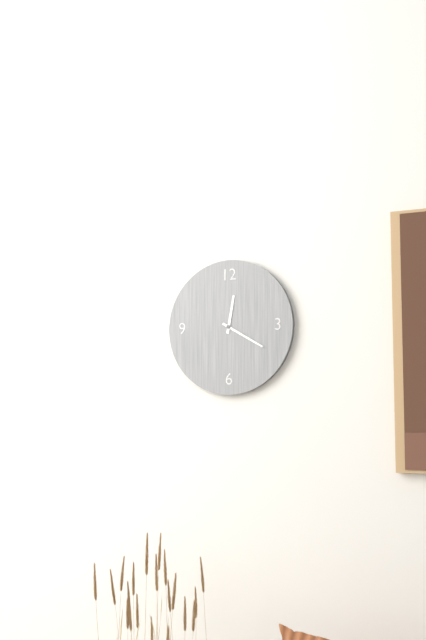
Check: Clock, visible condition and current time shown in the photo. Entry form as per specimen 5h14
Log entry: 12h20
